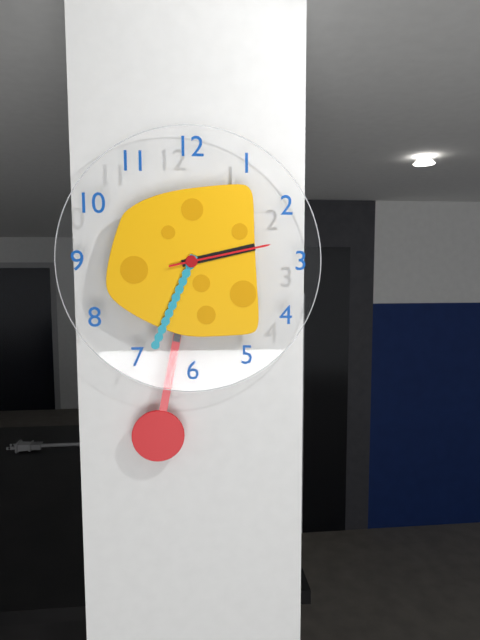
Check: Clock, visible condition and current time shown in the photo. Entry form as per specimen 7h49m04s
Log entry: 2h34m13s
